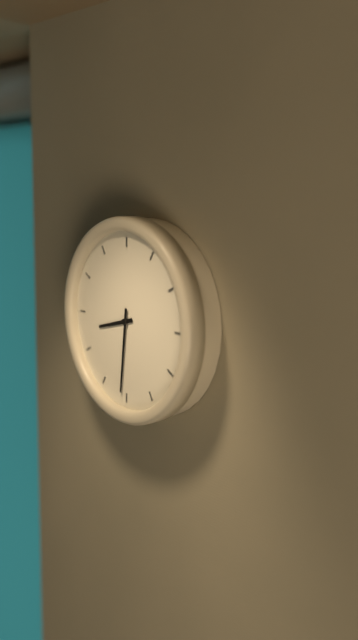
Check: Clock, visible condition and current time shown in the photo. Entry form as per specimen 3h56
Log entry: 8h31
